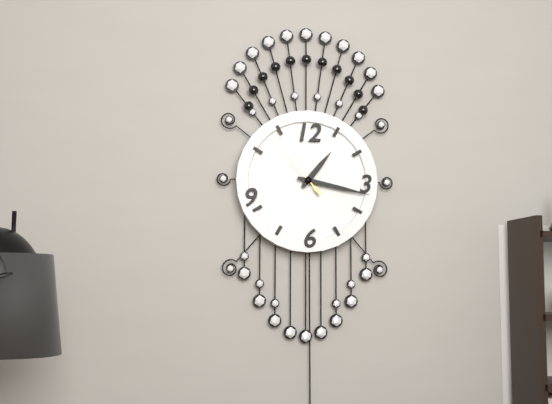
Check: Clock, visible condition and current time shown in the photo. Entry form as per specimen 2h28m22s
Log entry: 1h17m53s
